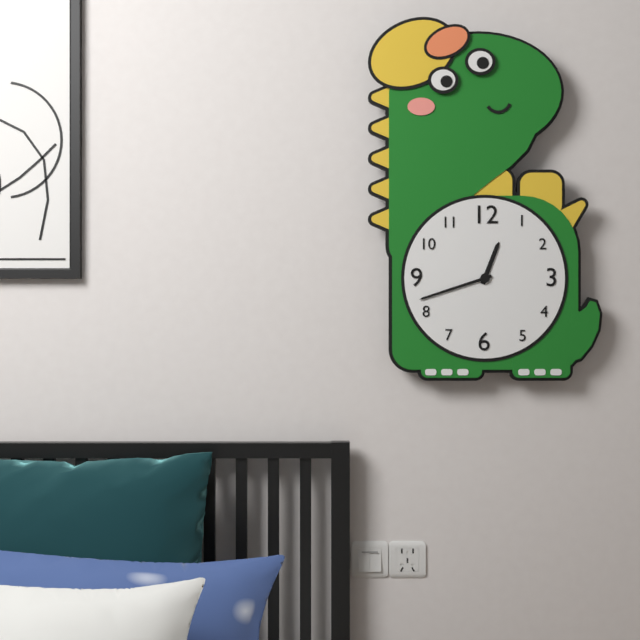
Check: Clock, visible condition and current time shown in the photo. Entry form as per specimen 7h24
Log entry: 12h42
